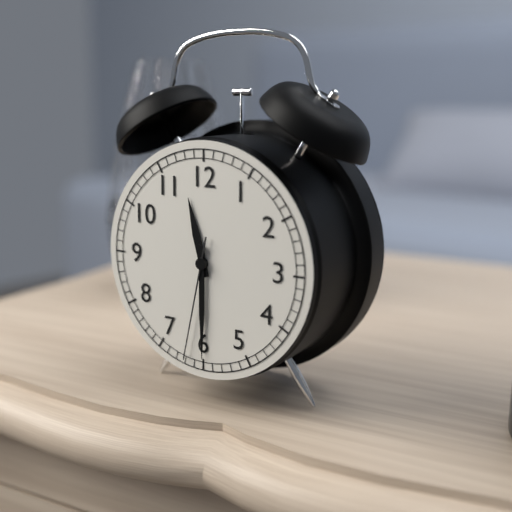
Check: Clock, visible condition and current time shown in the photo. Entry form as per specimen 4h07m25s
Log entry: 11h30m32s
